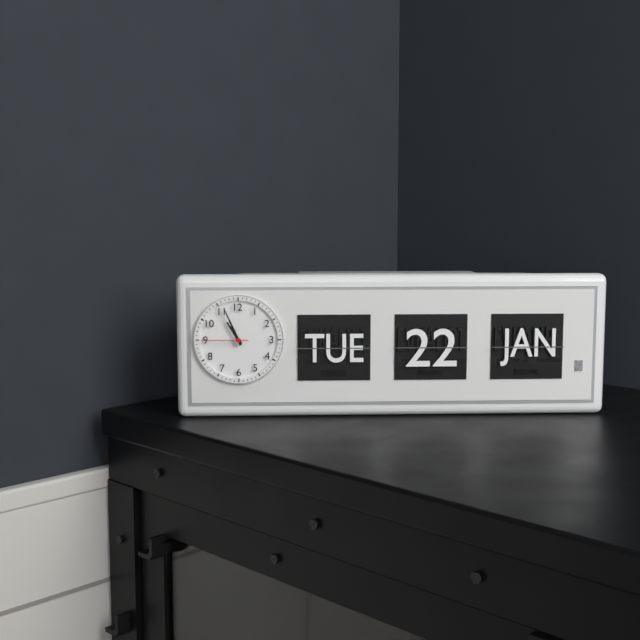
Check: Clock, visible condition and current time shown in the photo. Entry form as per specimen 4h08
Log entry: 10h56
